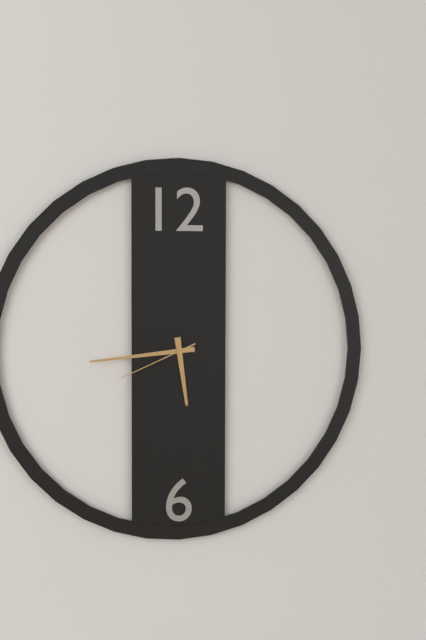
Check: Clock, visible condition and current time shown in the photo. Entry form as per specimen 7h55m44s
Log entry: 5h44m41s
